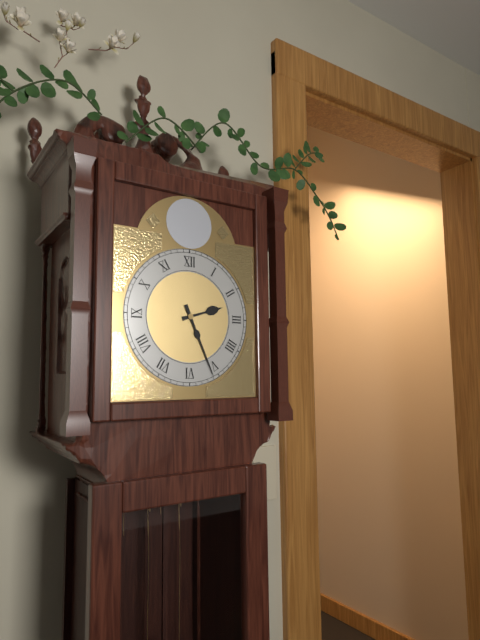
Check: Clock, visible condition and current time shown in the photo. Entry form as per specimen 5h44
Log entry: 2h26
